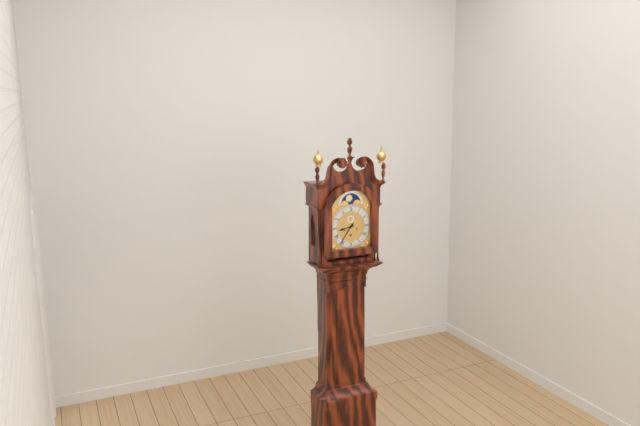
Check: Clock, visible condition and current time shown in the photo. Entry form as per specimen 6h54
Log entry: 8h36
